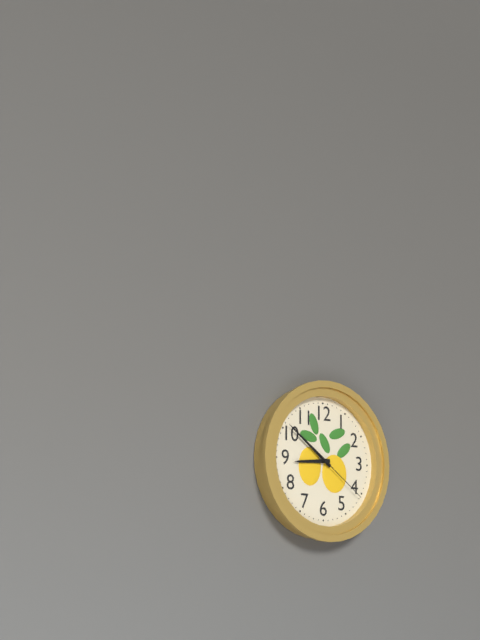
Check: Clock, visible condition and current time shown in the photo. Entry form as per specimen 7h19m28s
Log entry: 8h51m21s
